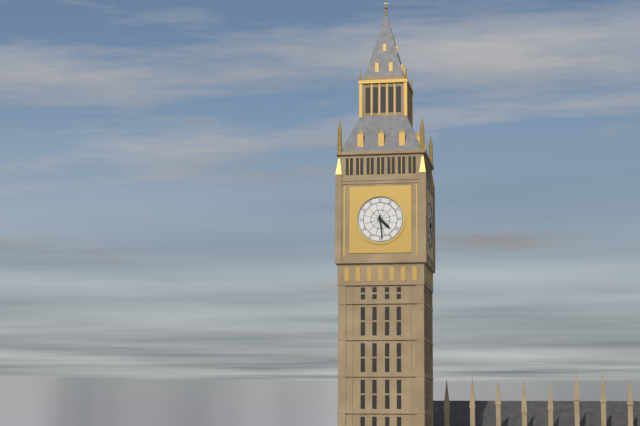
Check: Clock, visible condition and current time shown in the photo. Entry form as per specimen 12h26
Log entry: 4h29
